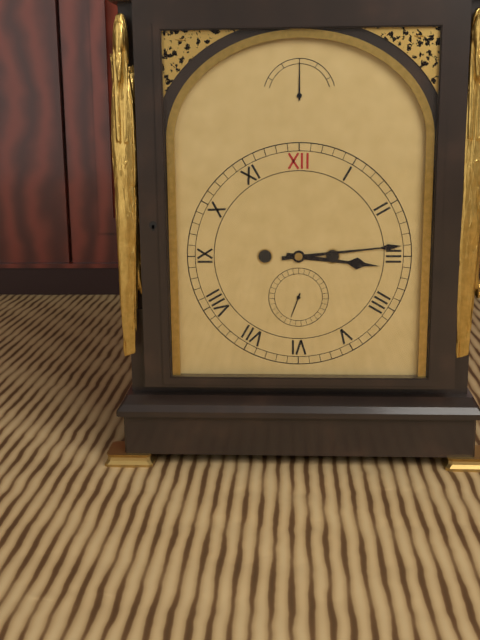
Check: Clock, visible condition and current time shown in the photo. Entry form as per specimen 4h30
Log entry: 3h14
